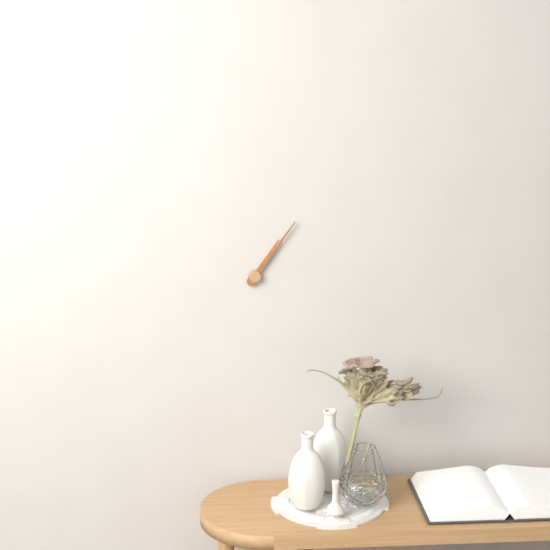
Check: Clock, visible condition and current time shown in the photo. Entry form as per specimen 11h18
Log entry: 1h06
